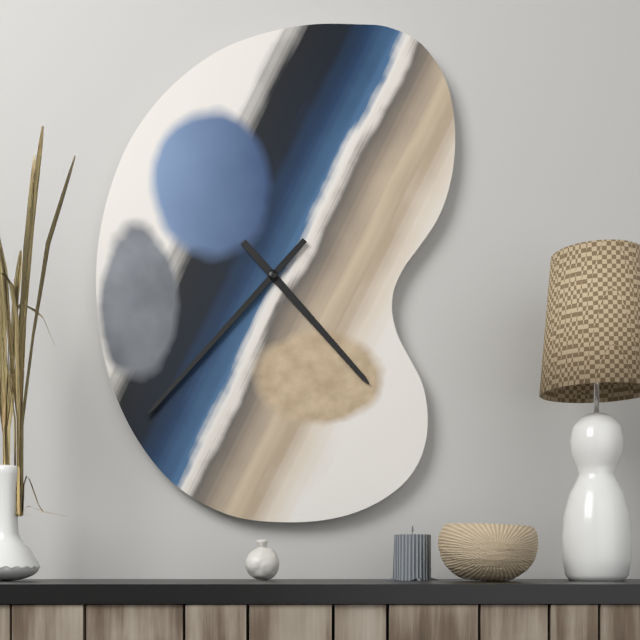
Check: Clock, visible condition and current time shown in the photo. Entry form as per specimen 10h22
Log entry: 4h37
